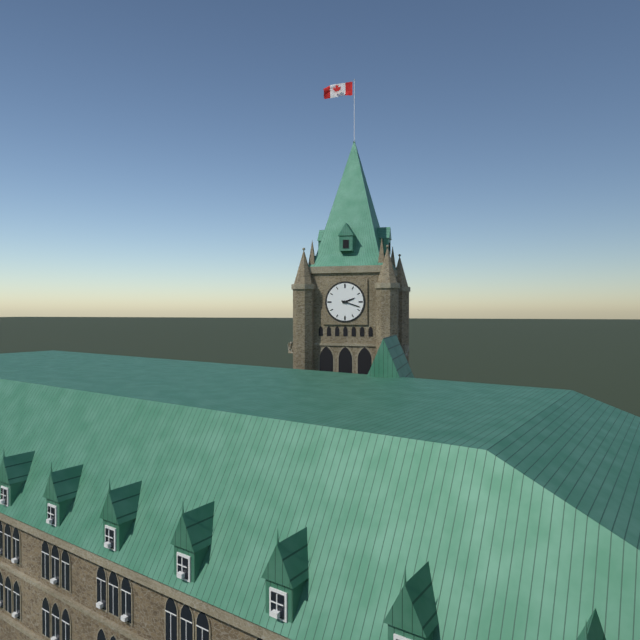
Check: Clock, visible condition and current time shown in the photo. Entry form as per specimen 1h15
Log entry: 2h18
